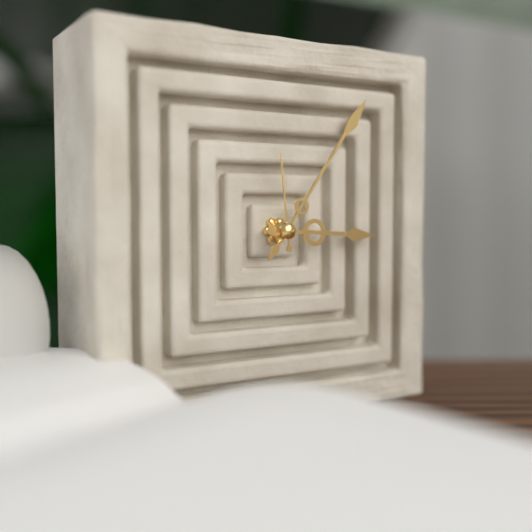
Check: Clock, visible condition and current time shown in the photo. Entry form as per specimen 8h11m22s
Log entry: 3h06m59s
